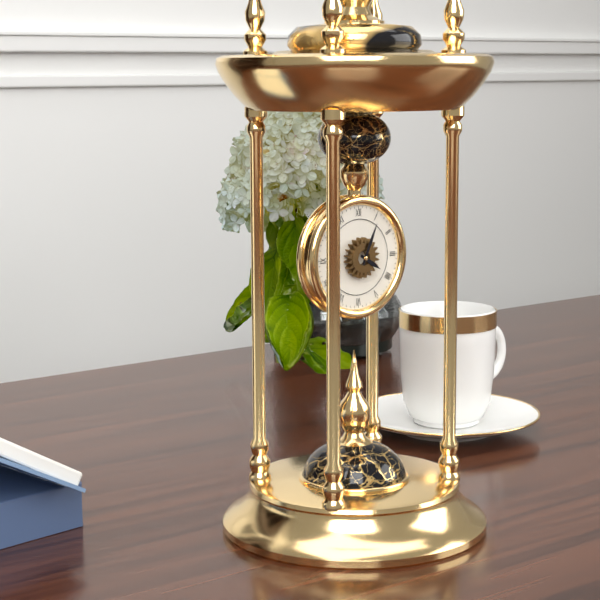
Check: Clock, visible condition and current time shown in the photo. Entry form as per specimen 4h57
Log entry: 4h04
